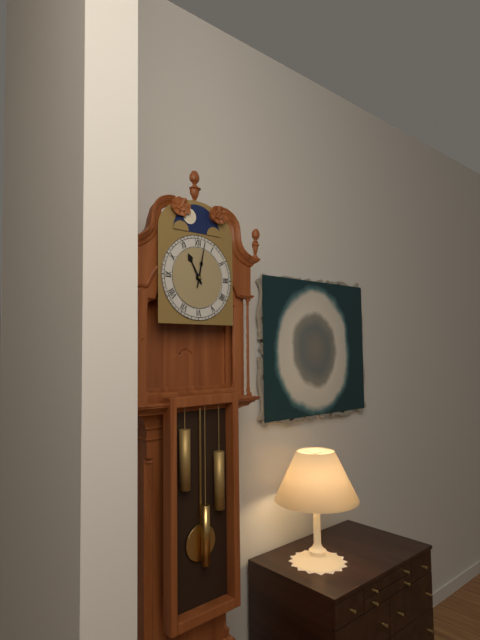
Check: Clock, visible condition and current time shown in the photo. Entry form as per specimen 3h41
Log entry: 11h02
